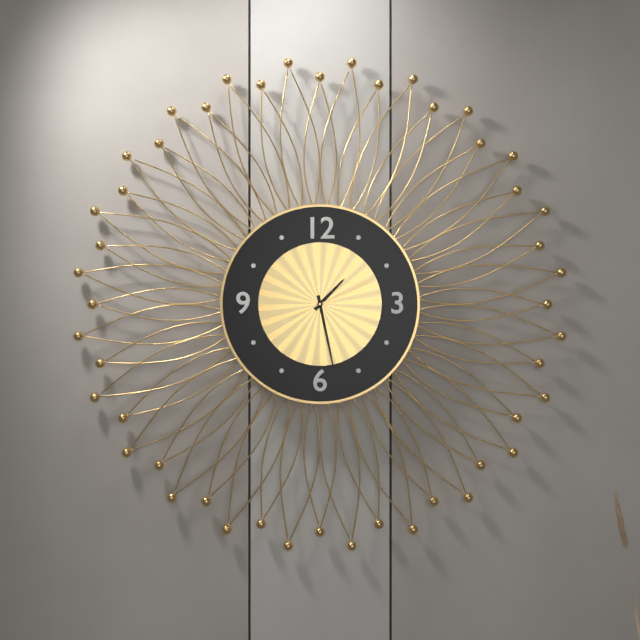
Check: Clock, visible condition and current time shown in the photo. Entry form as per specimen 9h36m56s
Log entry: 1h28m11s
